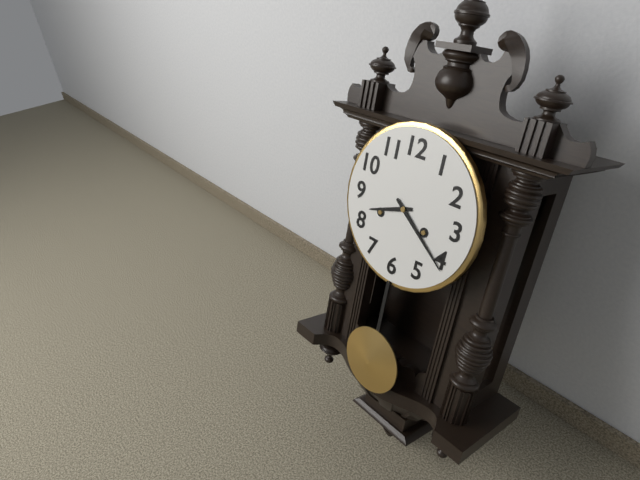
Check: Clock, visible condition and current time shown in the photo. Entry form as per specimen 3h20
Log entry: 8h21
